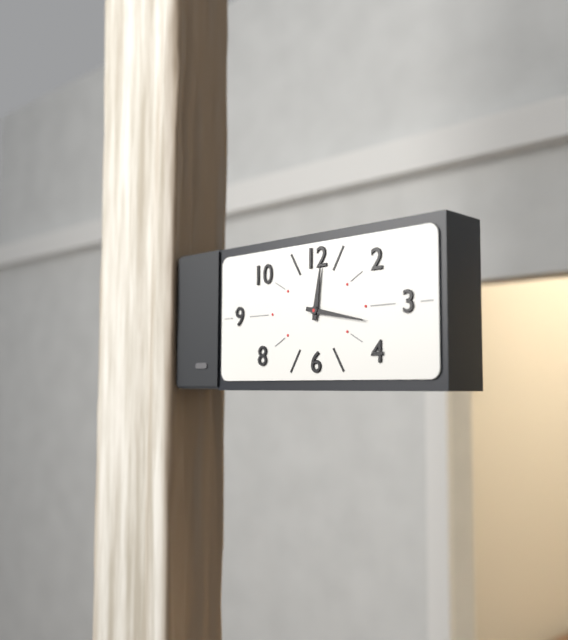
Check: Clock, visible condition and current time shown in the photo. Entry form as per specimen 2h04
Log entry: 12h17
